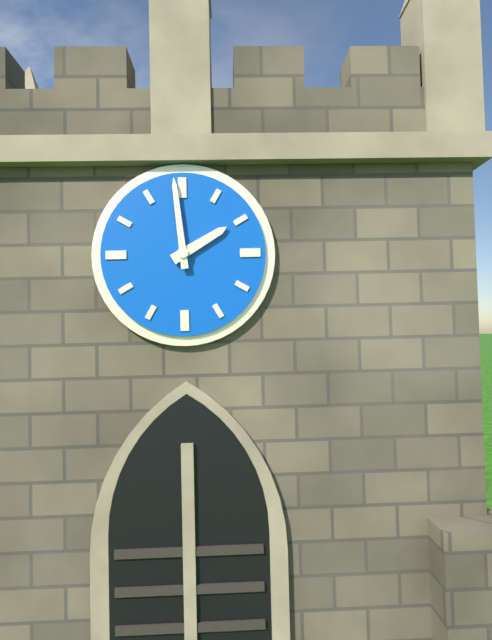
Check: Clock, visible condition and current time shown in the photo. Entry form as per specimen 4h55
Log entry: 1h59
